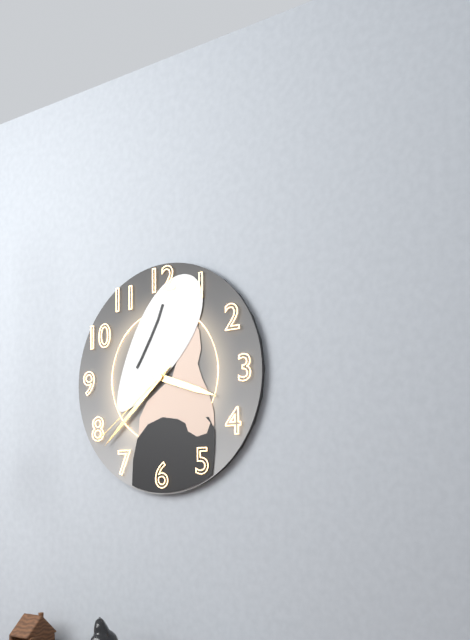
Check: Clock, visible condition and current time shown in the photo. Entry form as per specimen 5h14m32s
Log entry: 3h38m39s
